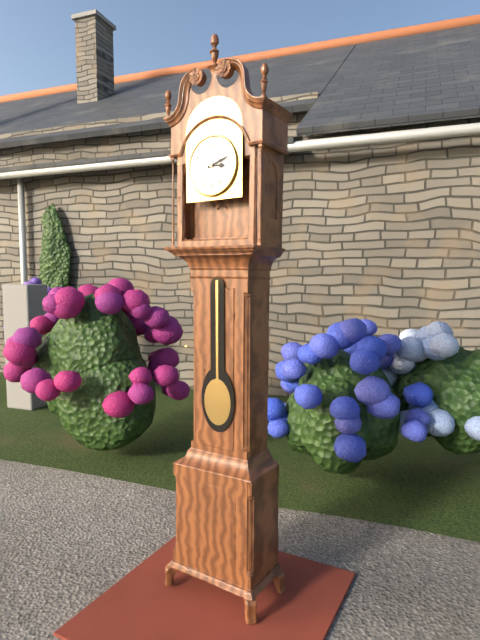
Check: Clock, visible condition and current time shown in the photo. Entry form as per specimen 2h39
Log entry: 3h12
